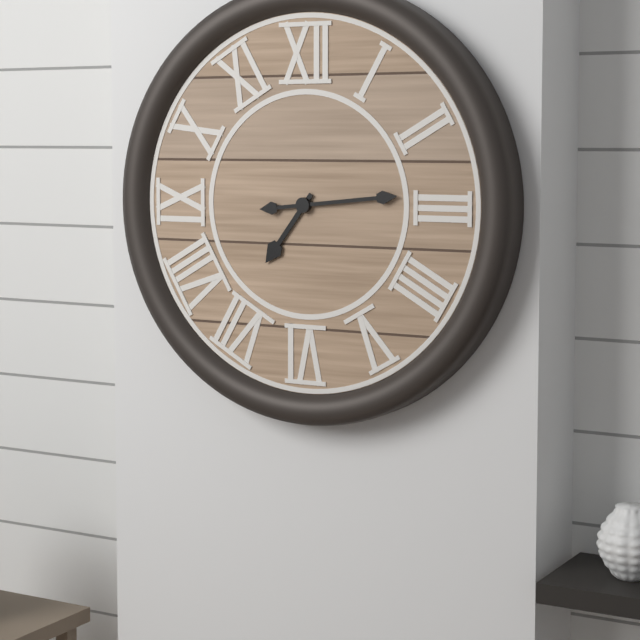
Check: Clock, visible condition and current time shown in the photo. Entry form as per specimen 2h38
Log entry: 7h14
